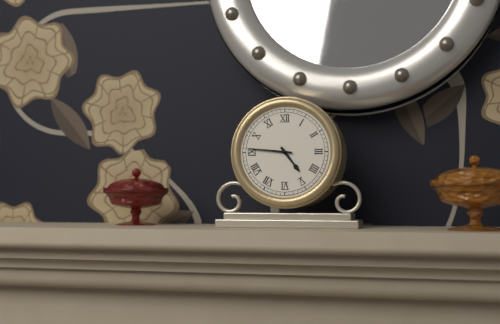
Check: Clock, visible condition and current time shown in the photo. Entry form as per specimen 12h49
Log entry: 4h46
